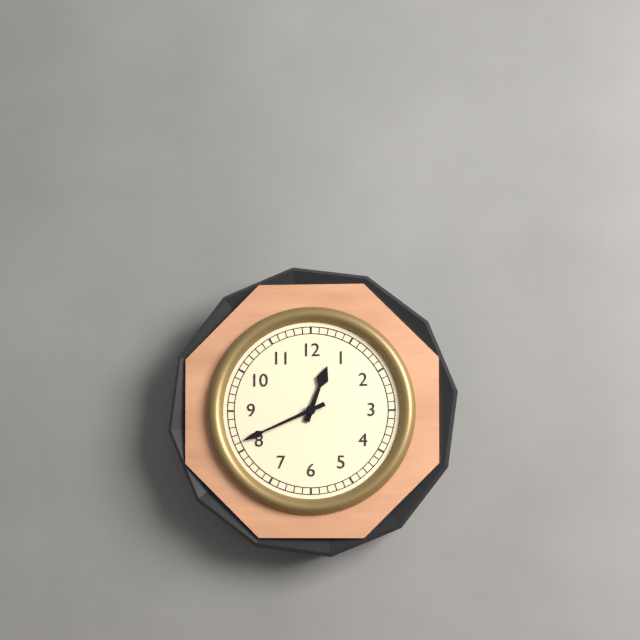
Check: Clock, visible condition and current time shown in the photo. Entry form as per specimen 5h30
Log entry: 12h41
